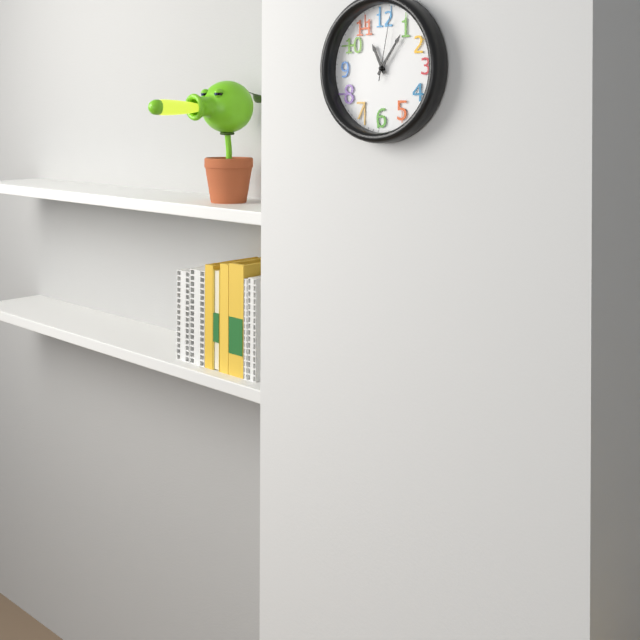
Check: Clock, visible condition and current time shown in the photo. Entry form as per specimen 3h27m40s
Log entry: 11h06m02s
